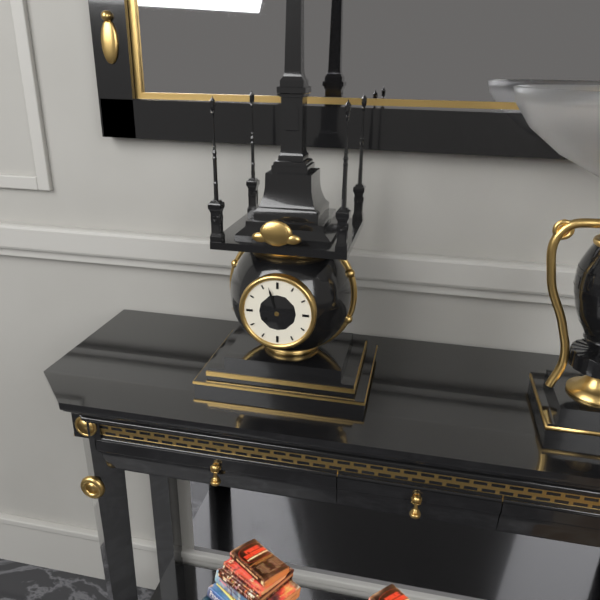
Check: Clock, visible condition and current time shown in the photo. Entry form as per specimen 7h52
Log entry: 7h57
